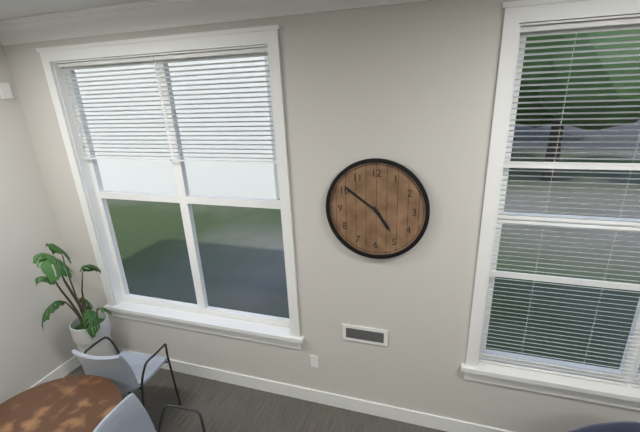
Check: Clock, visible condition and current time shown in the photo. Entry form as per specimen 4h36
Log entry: 4h51
